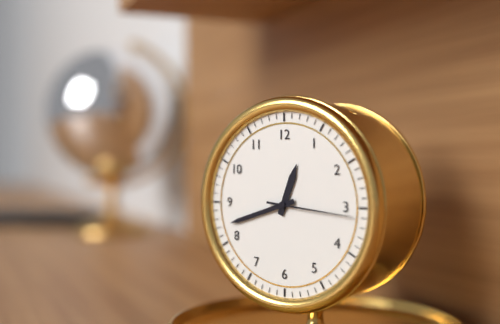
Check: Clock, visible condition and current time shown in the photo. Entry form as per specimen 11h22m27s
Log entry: 12h42m16s
